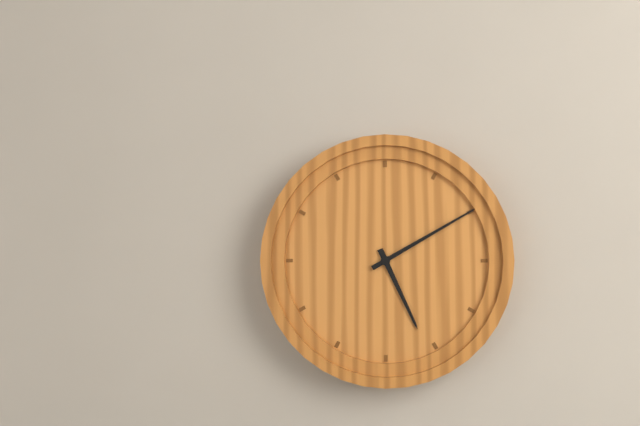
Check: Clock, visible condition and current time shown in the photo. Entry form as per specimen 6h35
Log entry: 5h10
